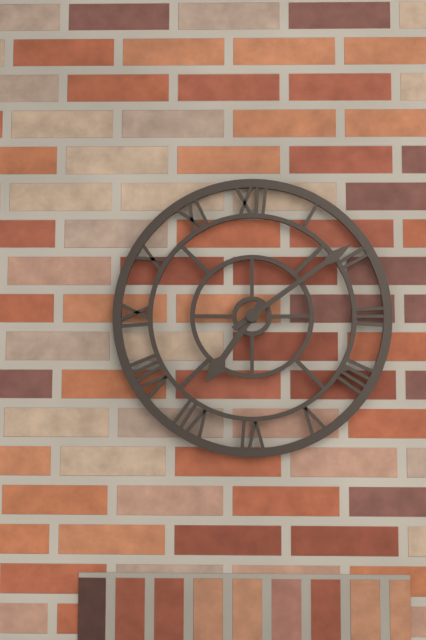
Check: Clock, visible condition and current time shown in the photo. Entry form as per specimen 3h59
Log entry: 7h09
